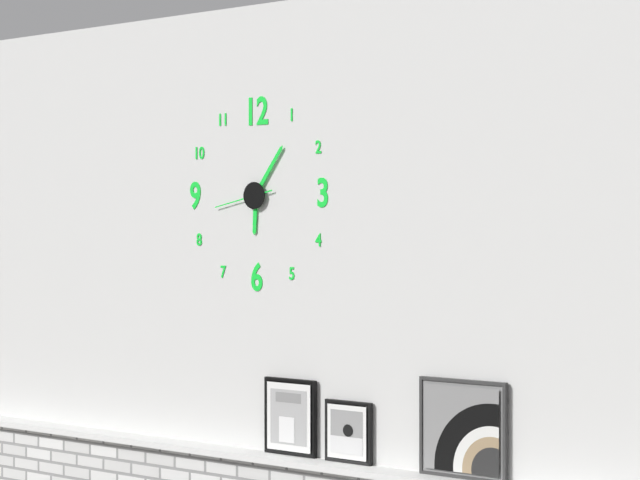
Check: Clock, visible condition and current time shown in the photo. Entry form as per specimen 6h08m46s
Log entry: 6h06m43s
